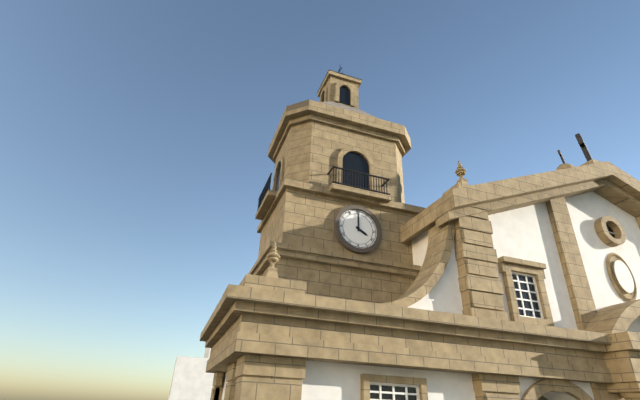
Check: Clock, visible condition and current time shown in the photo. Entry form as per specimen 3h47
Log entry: 4h00
